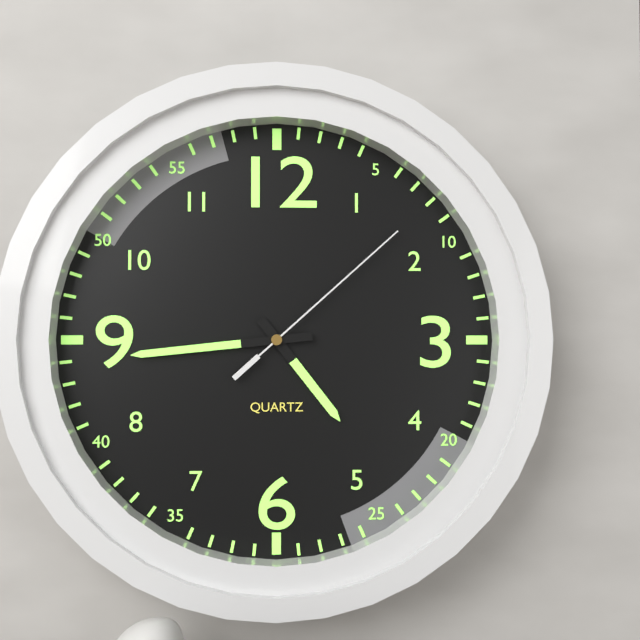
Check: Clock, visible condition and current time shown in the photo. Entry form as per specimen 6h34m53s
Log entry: 4h44m08s
